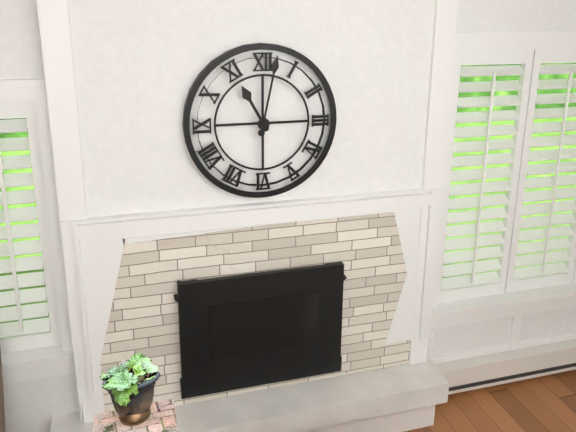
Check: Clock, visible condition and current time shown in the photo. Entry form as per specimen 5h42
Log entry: 11h02
